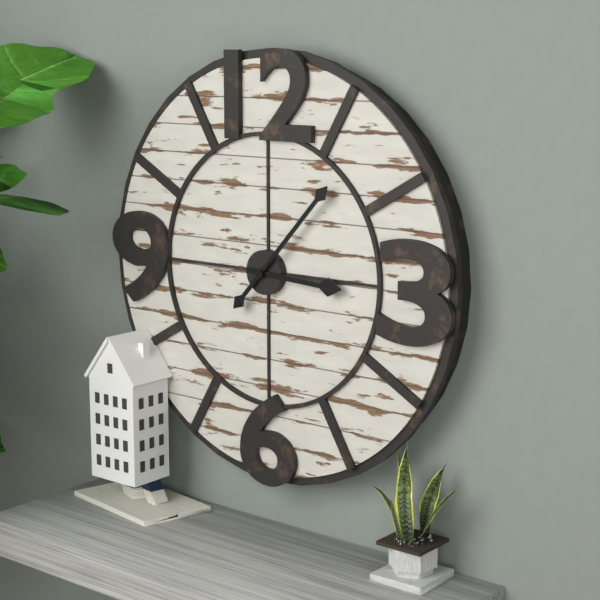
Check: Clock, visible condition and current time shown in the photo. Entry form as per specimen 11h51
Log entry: 3h07
